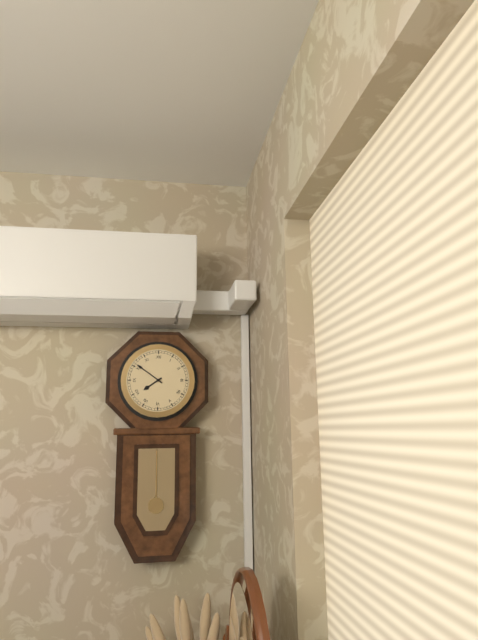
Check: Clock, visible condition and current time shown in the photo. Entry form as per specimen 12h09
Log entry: 7h51
